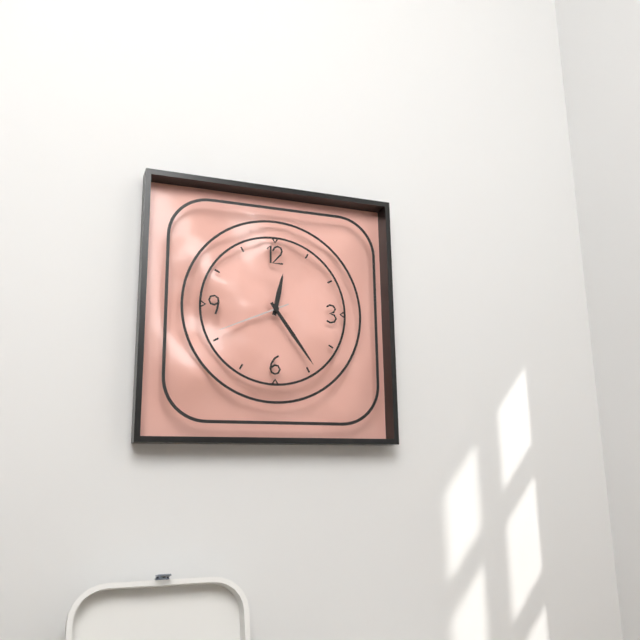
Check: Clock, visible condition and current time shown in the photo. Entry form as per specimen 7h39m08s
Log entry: 12h24m41s
